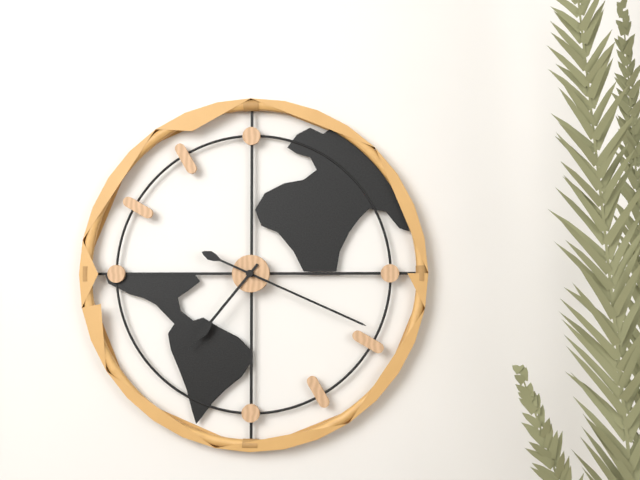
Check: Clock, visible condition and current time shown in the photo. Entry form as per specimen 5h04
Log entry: 7h19
